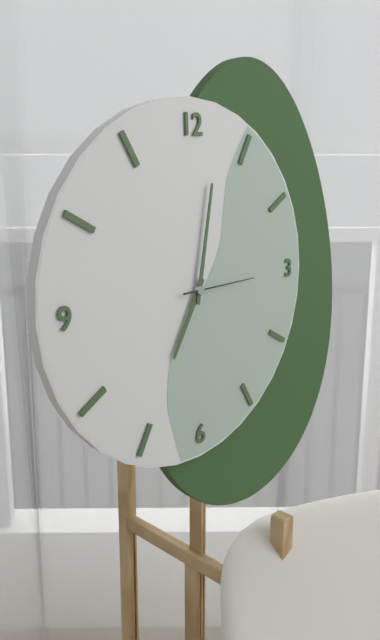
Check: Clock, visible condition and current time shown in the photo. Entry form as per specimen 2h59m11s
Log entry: 7h02m15s
